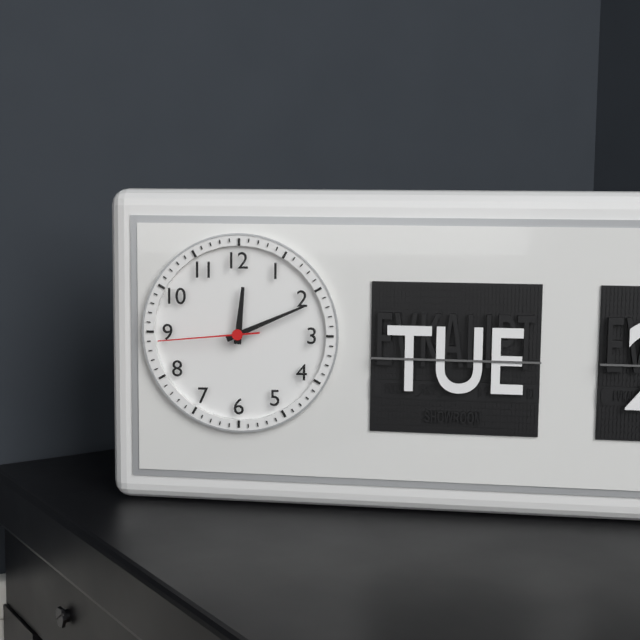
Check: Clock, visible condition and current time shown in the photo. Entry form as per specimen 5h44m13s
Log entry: 12h11m44s
